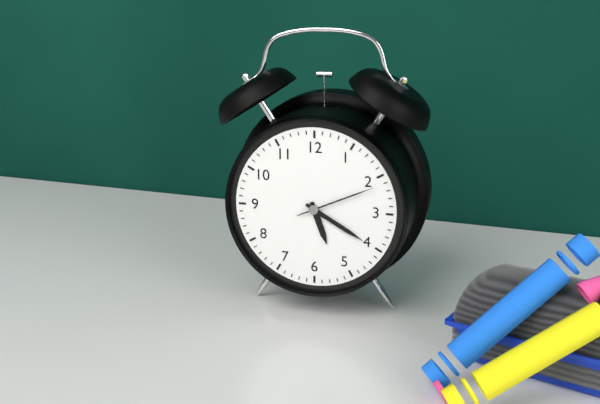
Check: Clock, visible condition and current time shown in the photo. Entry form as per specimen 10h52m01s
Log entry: 5h20m11s
